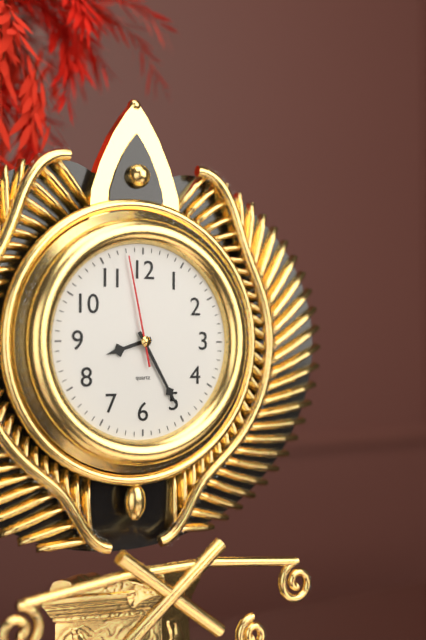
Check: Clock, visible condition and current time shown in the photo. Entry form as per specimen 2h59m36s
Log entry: 8h25m58s
